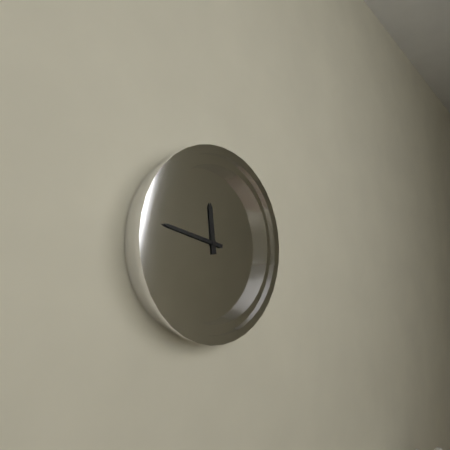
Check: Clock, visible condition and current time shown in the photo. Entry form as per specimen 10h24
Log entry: 11h47
